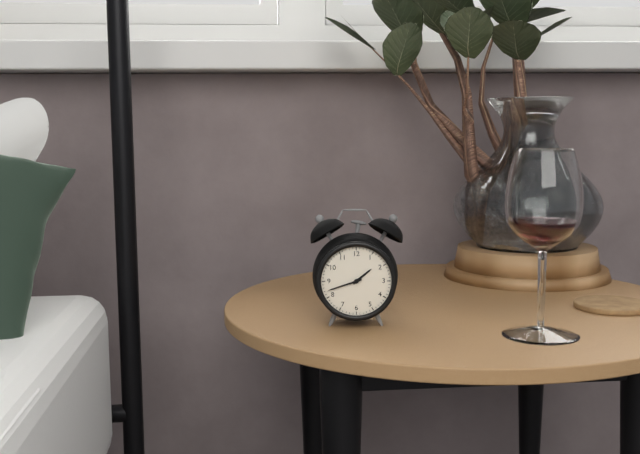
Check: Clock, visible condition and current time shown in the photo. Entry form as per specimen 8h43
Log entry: 1h42
